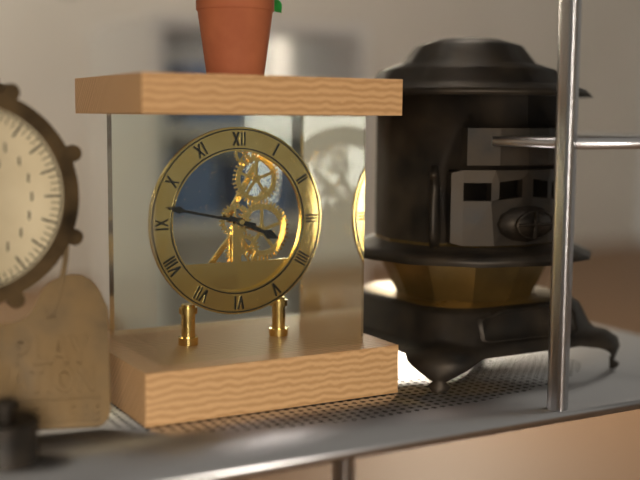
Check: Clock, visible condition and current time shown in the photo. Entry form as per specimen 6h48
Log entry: 3h47
